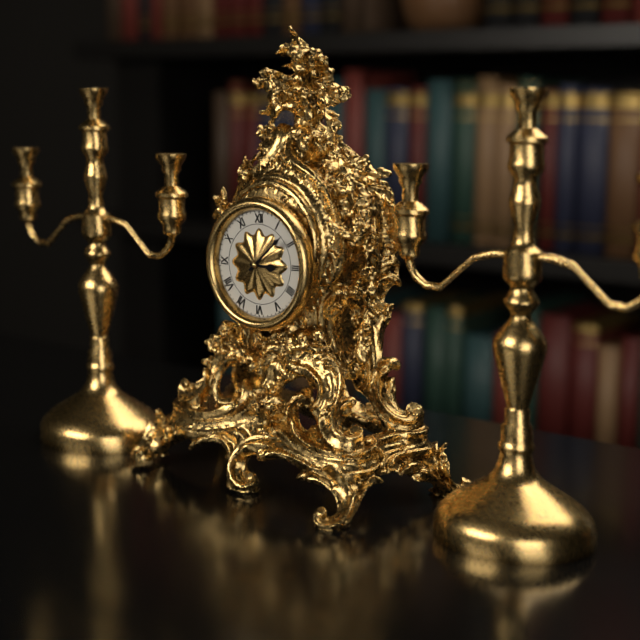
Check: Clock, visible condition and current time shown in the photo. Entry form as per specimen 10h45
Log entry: 3h08
